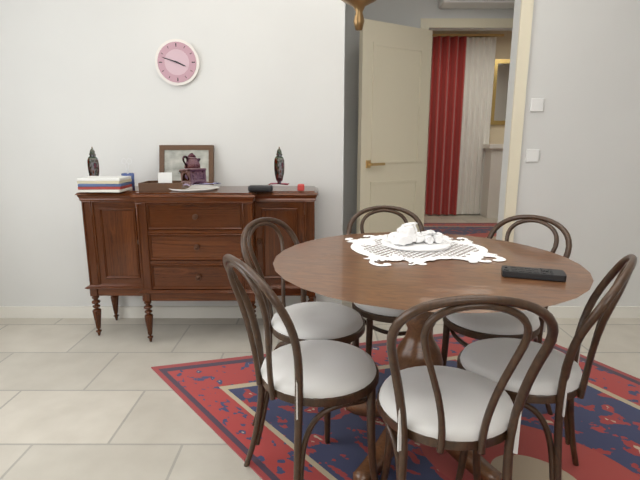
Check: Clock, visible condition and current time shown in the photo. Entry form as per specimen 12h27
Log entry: 3h48
